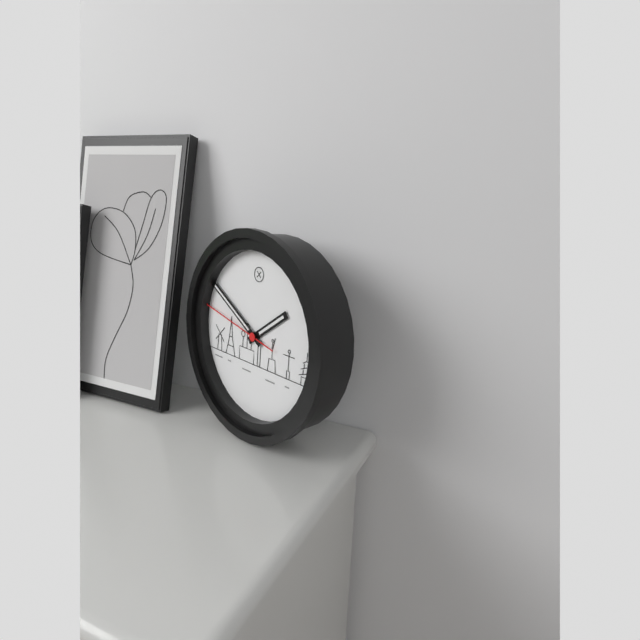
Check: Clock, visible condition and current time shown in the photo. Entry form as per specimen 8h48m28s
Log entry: 1h50m47s
